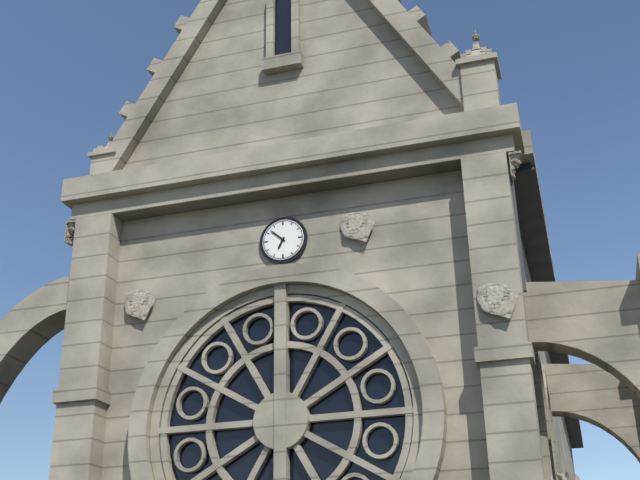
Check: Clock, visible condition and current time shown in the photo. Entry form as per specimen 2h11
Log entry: 6h52
